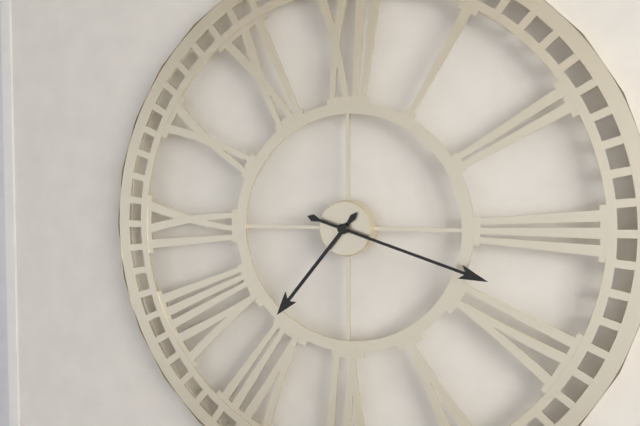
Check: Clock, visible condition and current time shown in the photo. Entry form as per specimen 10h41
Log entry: 7h18
